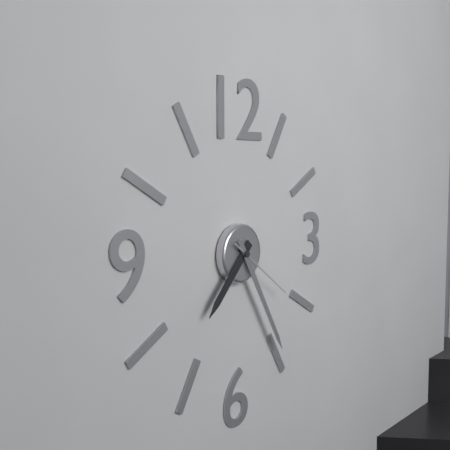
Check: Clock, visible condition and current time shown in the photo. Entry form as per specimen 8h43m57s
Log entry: 7h25m21s
